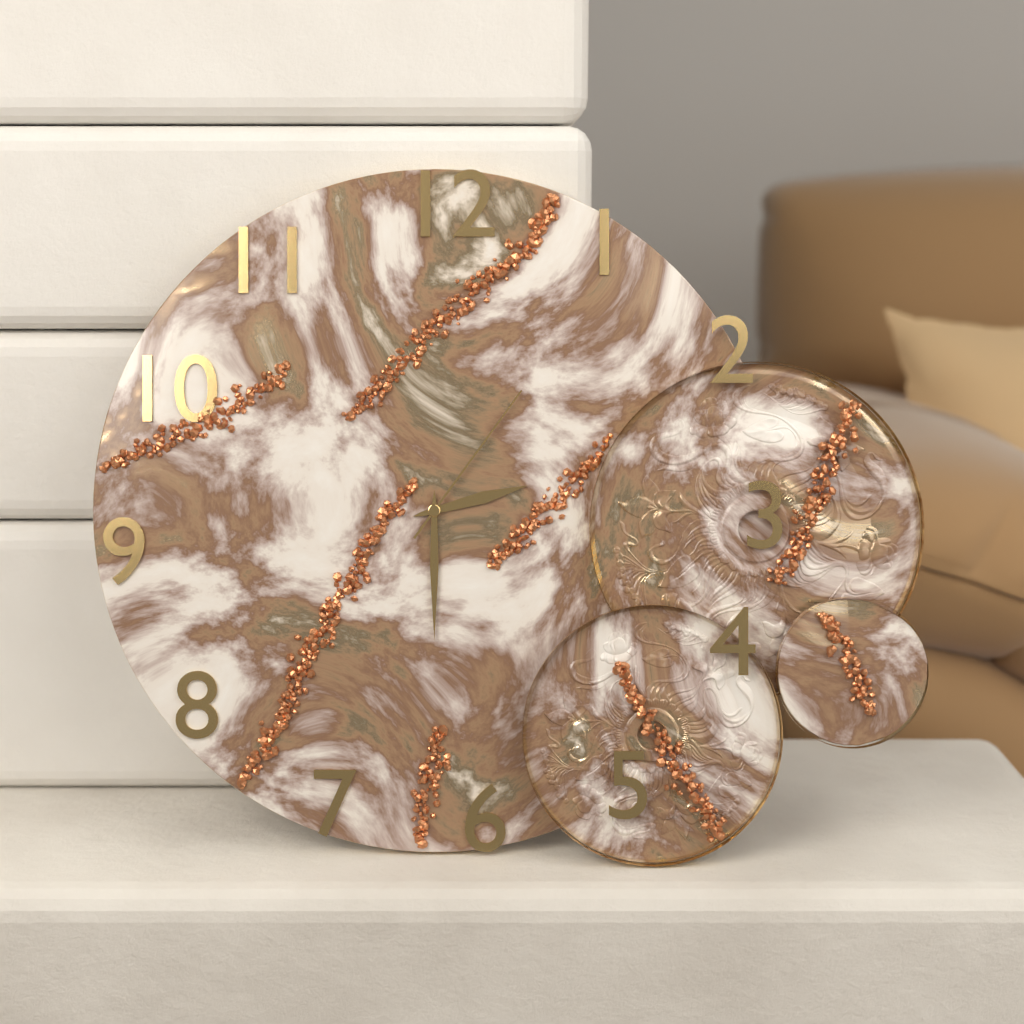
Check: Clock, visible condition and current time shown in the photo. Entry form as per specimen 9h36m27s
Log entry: 2h30m06s
